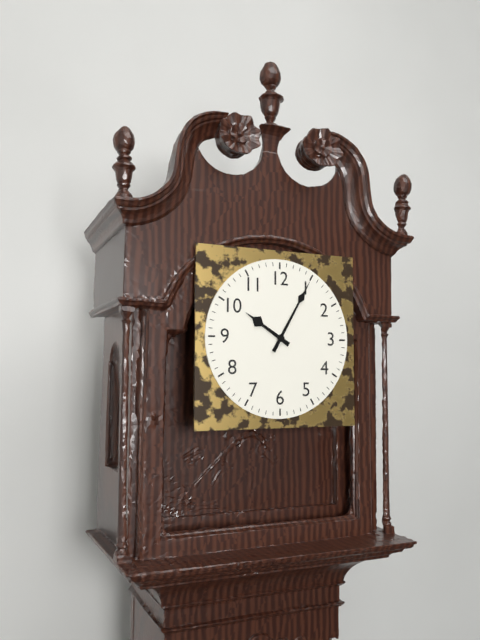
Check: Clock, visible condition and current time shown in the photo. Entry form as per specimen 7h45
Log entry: 10h05
